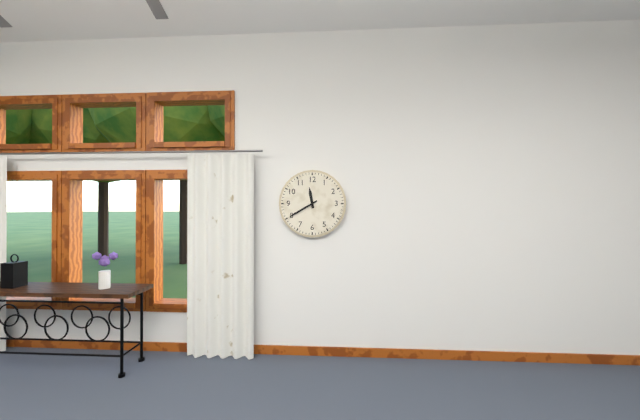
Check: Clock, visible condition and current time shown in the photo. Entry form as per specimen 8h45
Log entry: 11h40
